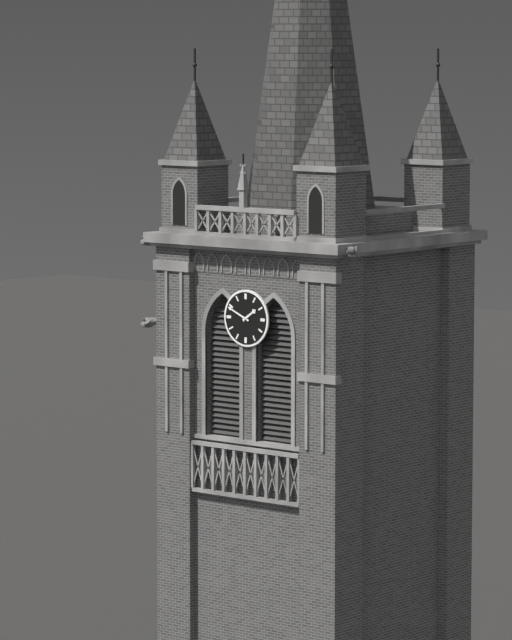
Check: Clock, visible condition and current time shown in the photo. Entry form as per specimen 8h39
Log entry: 1h49
